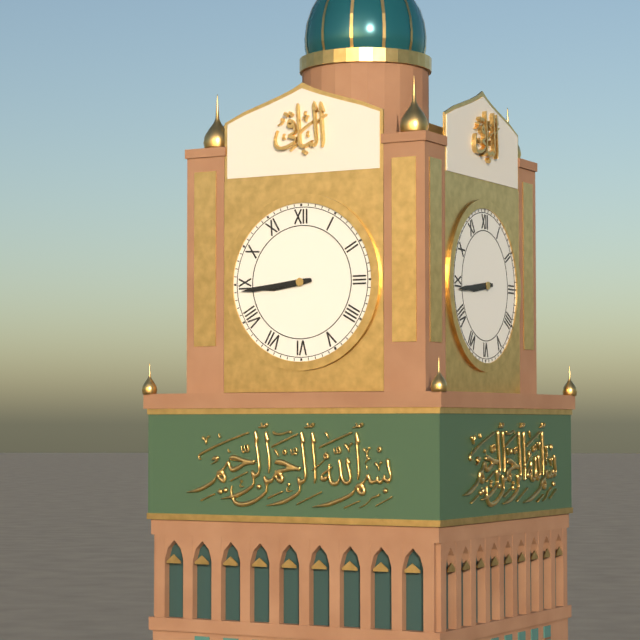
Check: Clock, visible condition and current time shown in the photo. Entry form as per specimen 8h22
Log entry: 8h44
